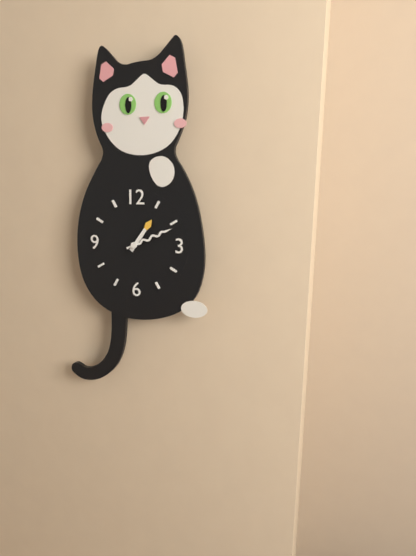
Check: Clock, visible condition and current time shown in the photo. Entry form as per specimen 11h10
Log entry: 1h11
